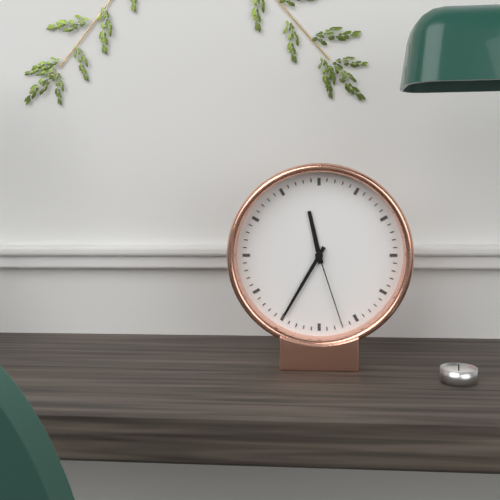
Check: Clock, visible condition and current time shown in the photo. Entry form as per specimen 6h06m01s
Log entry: 11h35m27s
